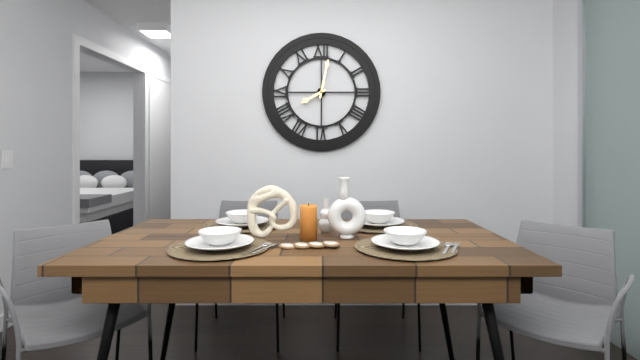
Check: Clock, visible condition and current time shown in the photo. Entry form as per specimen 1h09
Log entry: 8h02
